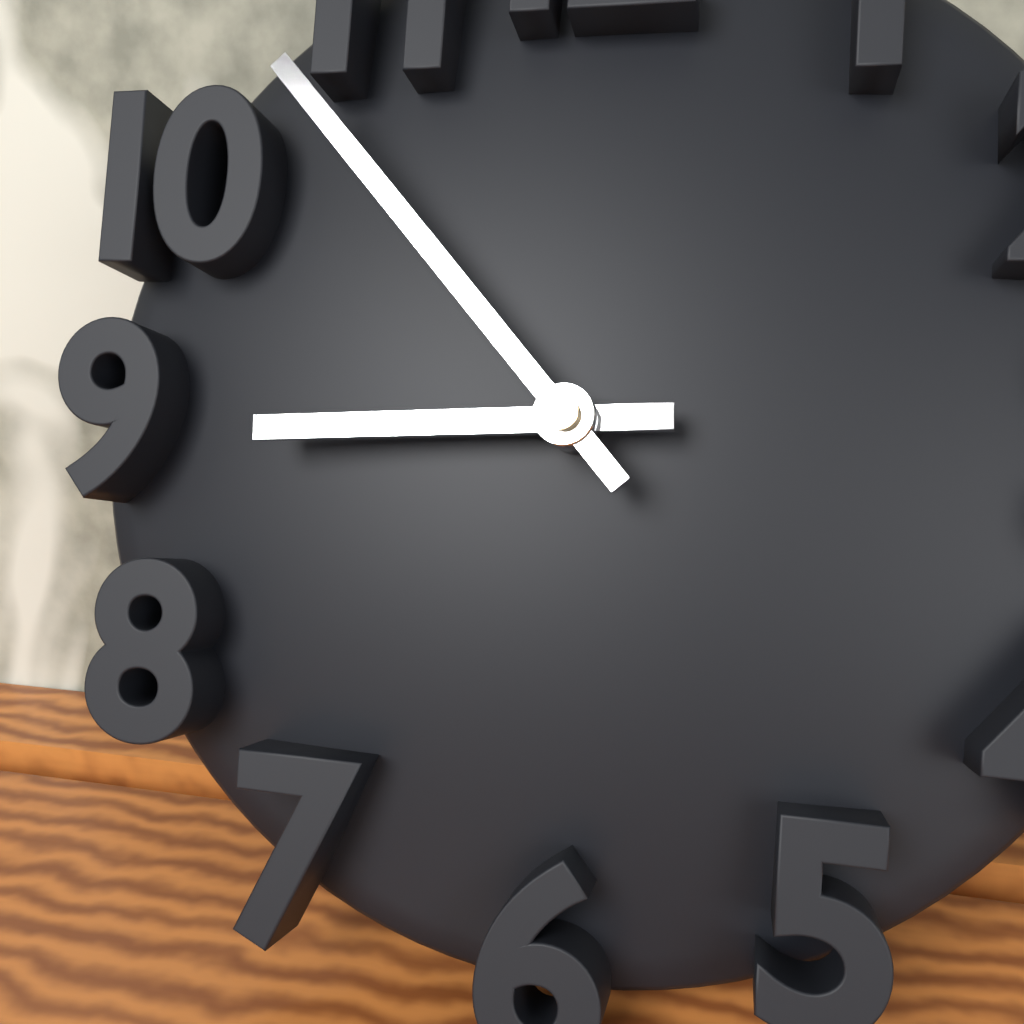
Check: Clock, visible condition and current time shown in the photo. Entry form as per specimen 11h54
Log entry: 8h53
